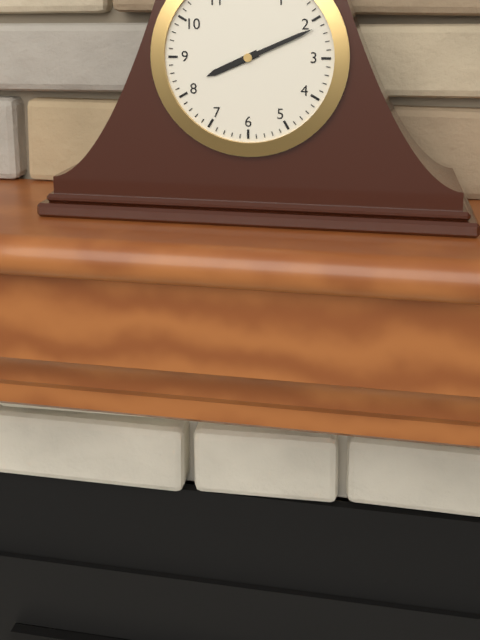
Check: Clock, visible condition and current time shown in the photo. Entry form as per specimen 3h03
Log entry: 8h11
